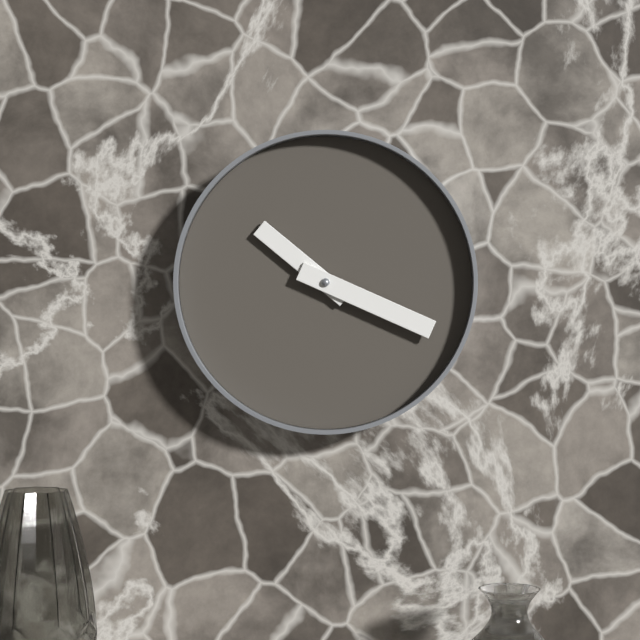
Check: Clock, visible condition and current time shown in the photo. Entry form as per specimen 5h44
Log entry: 10h19
